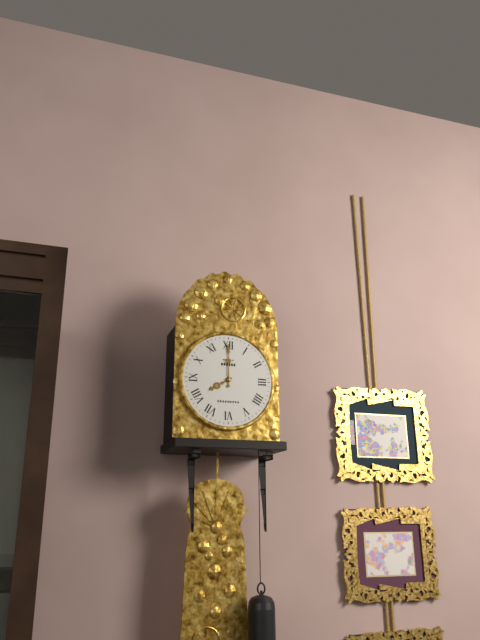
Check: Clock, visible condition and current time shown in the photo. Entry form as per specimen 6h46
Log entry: 8h00
